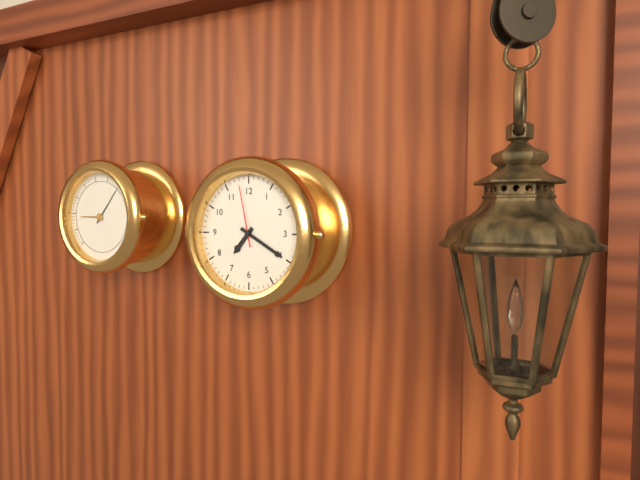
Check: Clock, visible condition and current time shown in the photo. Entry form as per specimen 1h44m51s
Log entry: 7h20m58s
